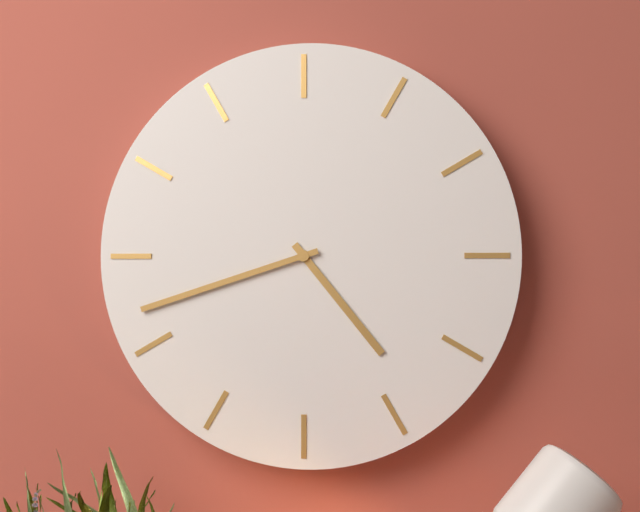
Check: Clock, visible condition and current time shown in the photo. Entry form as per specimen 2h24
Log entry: 4h42
